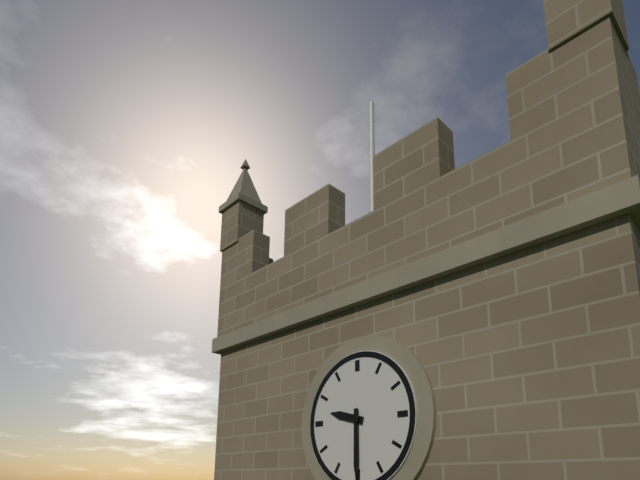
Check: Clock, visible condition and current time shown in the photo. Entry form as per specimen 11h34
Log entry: 9h30
